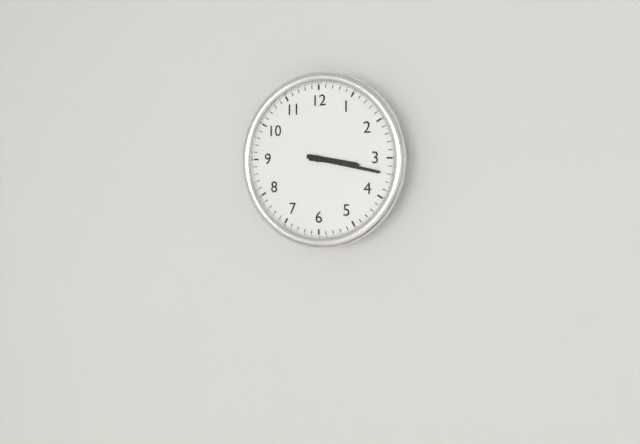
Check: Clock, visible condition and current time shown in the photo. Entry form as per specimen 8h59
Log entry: 3h17
